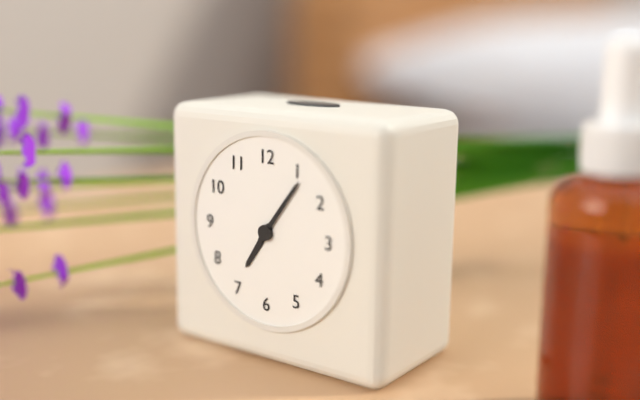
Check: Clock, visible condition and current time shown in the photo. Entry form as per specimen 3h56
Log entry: 7h06
